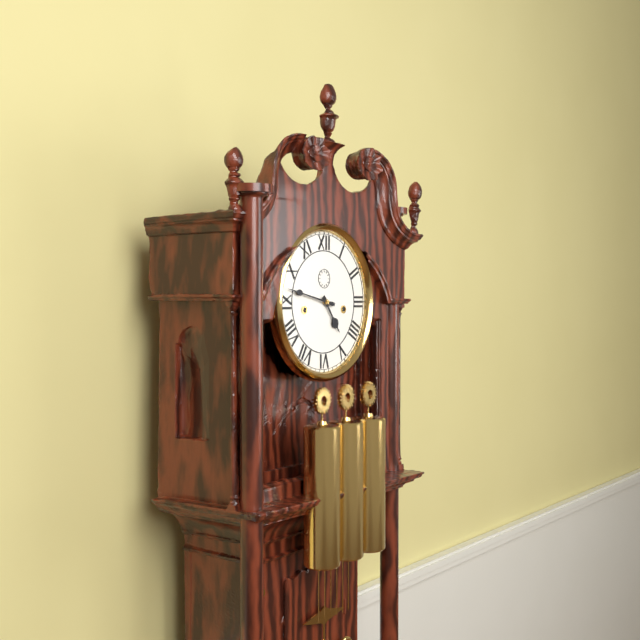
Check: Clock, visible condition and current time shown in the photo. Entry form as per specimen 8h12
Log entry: 4h47
